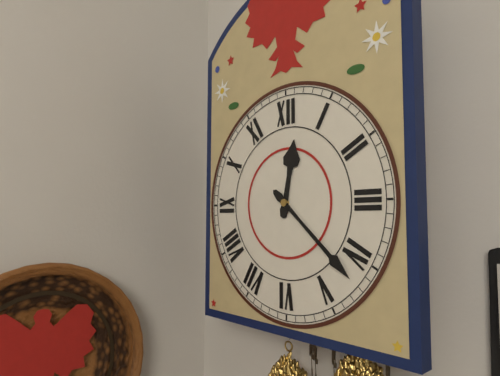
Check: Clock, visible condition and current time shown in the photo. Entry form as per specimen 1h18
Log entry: 12h22
